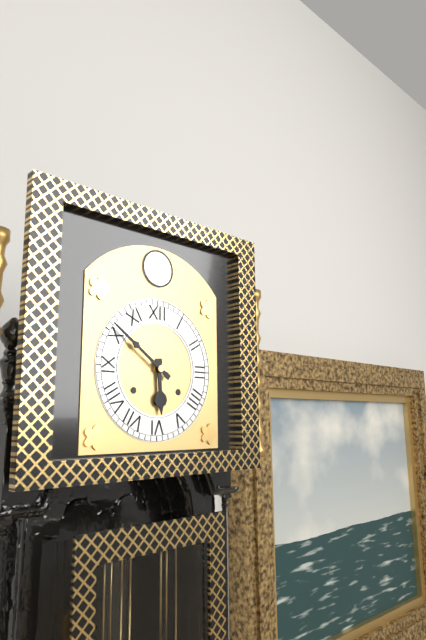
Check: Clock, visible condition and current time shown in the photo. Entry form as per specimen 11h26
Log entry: 5h51
